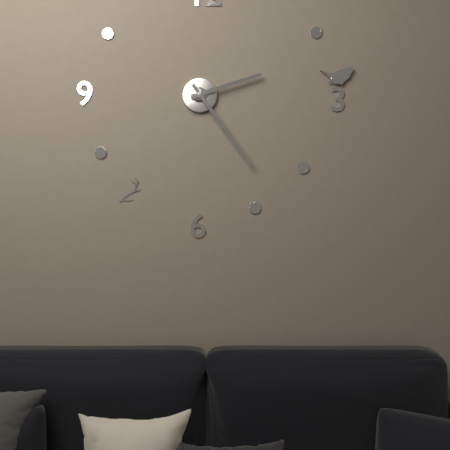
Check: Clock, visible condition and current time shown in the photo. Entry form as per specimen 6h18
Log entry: 2h24
